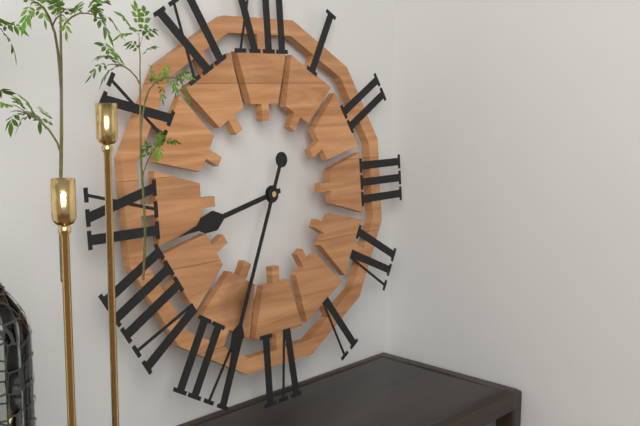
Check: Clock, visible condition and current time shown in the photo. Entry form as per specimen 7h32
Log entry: 8h34
